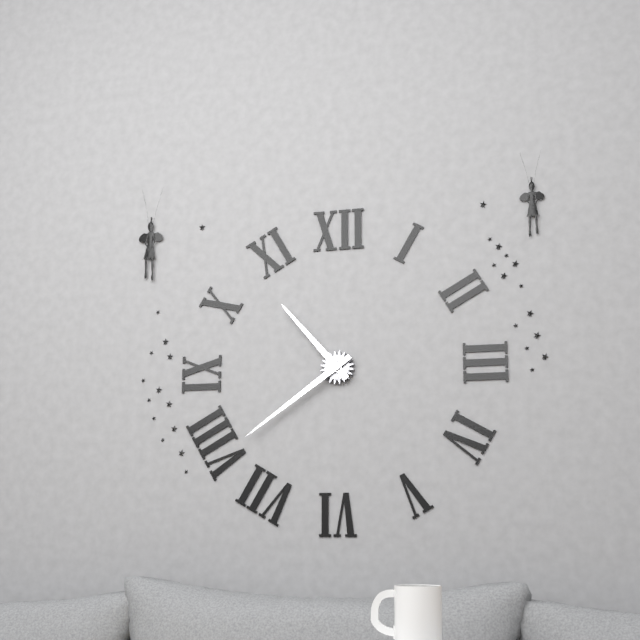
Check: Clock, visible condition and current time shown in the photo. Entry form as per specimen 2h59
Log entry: 10h39
